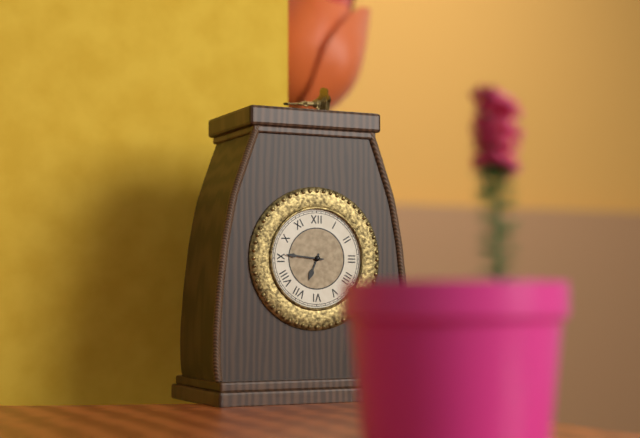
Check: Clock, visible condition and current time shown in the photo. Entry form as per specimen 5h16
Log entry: 6h46
